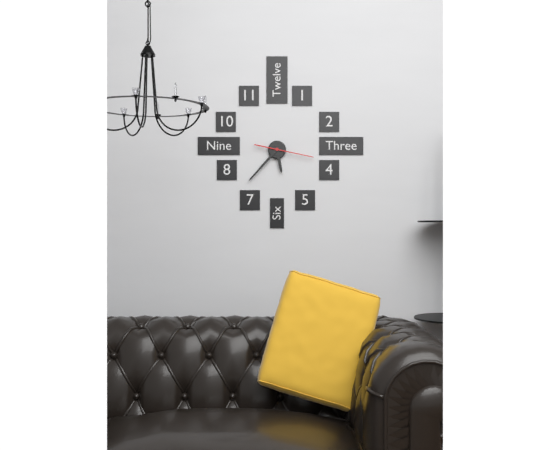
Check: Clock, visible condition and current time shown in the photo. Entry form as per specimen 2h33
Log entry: 5h37
